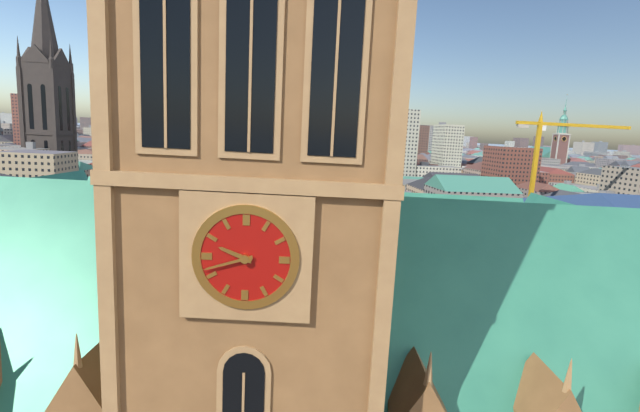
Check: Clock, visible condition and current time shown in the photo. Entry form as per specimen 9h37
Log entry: 9h42
